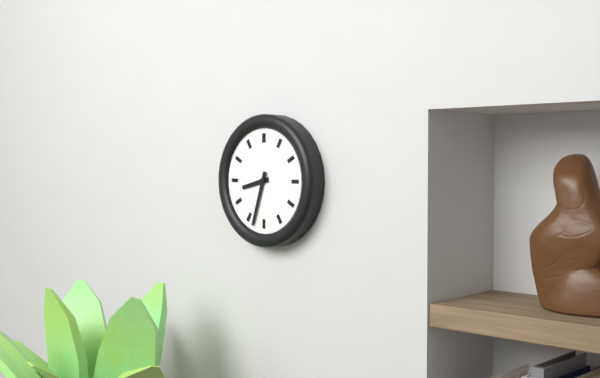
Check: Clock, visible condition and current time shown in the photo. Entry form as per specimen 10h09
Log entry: 8h33
